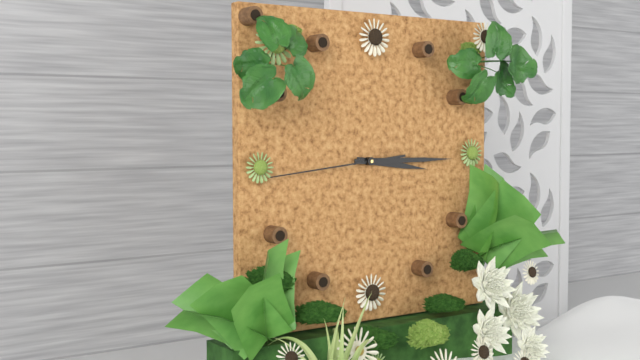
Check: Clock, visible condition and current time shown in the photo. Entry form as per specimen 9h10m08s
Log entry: 3h15m44s
